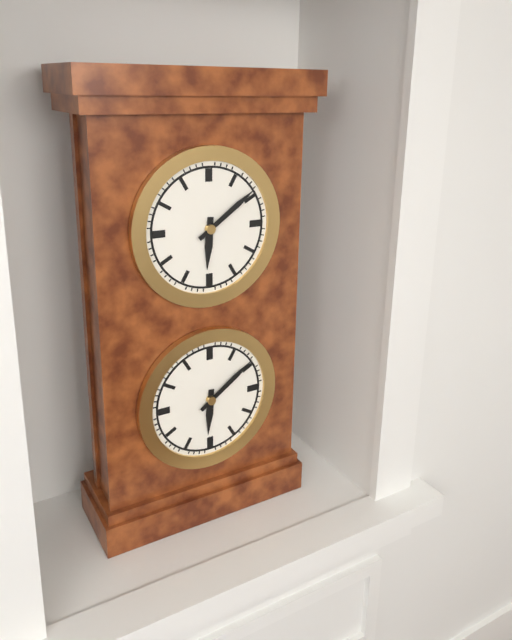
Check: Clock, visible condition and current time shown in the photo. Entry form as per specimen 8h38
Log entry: 6h09
